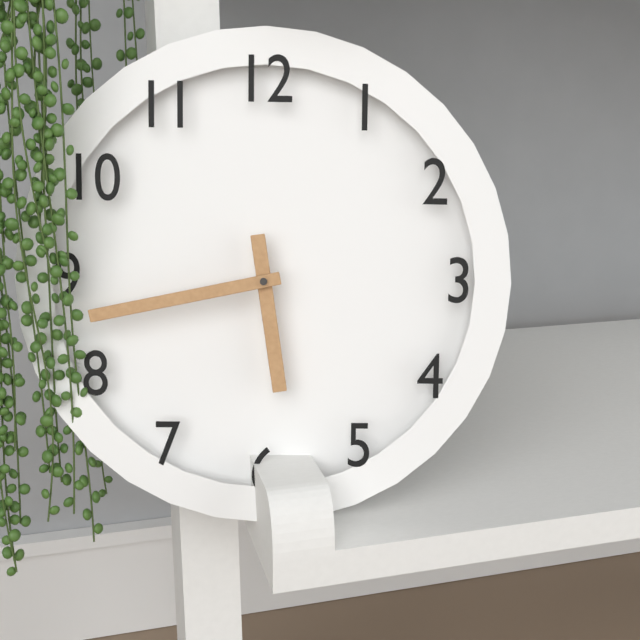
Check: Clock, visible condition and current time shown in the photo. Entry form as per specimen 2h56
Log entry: 5h43
